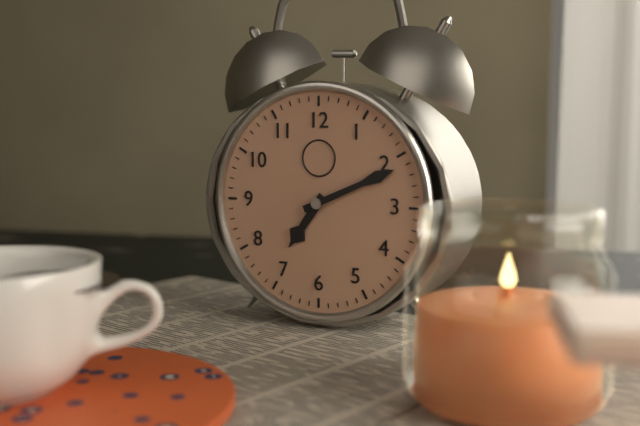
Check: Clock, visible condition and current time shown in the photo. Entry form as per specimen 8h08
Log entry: 7h11
